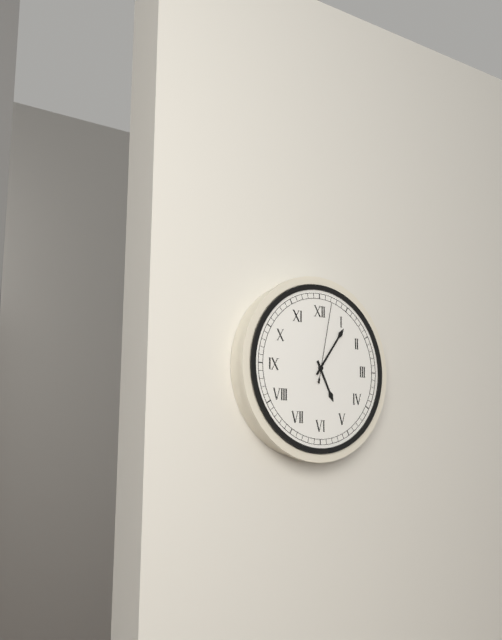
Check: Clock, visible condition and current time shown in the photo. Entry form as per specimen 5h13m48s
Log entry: 5h06m02s
